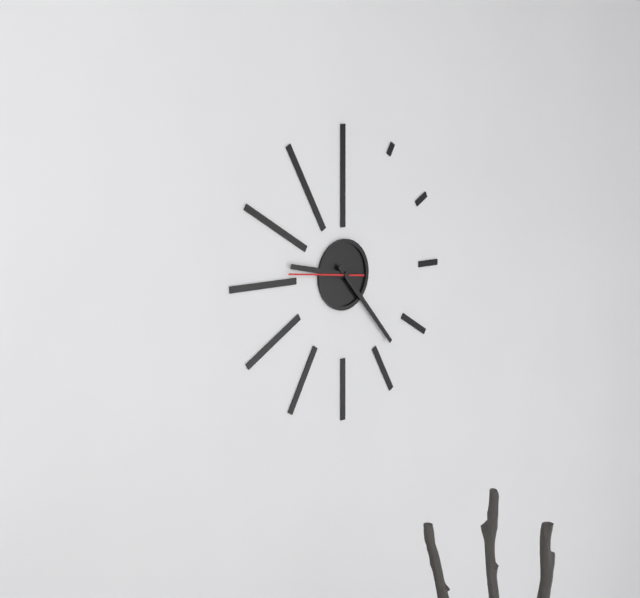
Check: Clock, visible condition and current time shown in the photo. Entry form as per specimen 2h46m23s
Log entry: 9h23m46s
